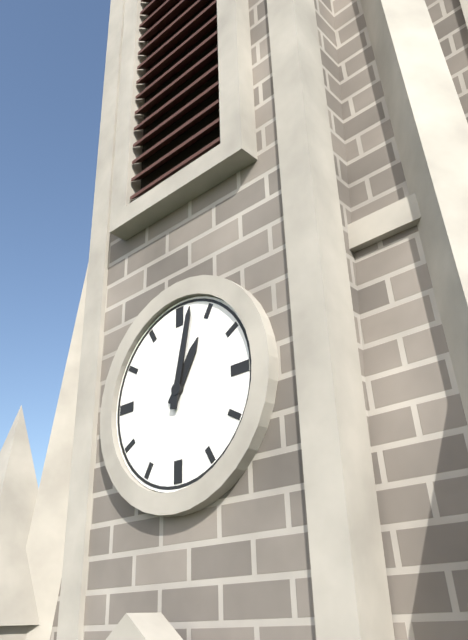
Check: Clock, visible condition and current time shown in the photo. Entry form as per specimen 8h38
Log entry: 1h02
